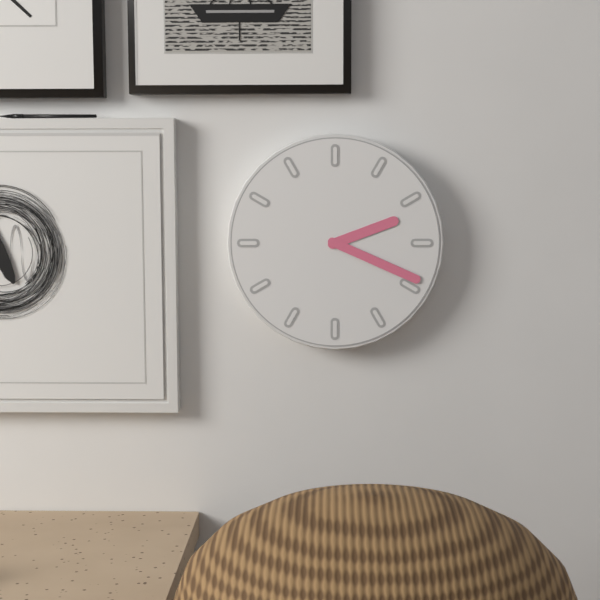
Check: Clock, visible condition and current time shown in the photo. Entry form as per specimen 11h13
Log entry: 2h19
